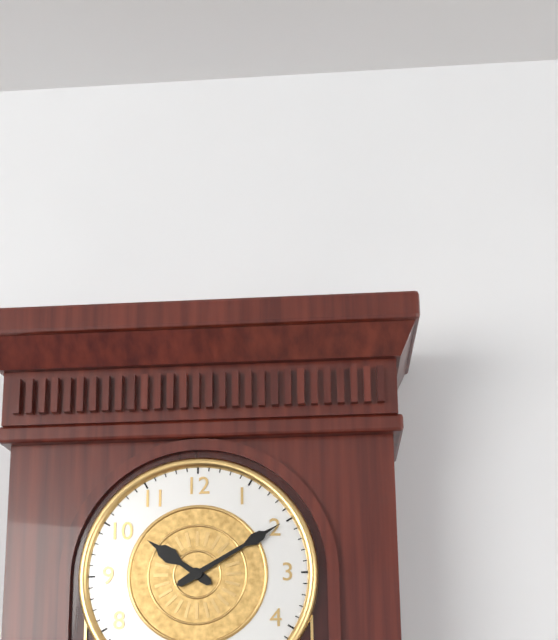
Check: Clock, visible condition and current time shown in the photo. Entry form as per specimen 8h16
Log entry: 10h10
